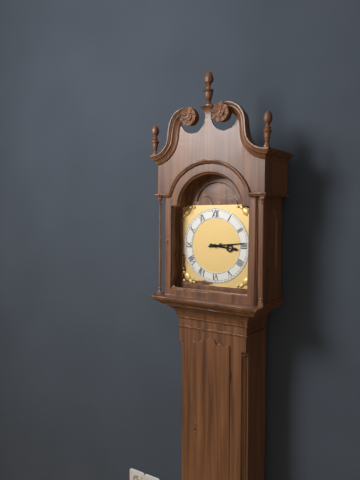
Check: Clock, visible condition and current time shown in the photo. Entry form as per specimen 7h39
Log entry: 3h14
